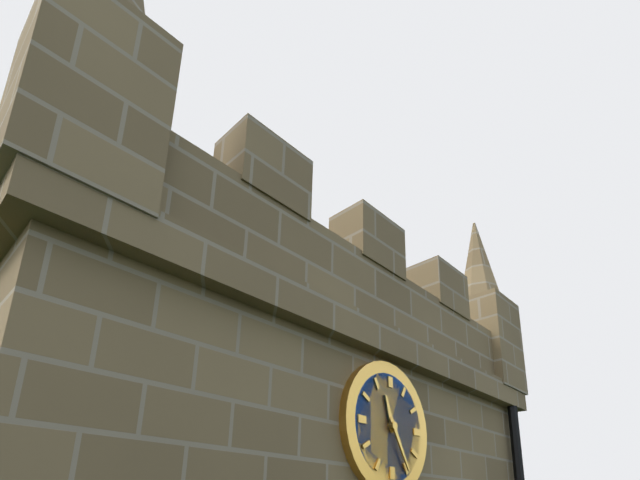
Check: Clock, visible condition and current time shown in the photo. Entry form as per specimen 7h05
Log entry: 11h25
